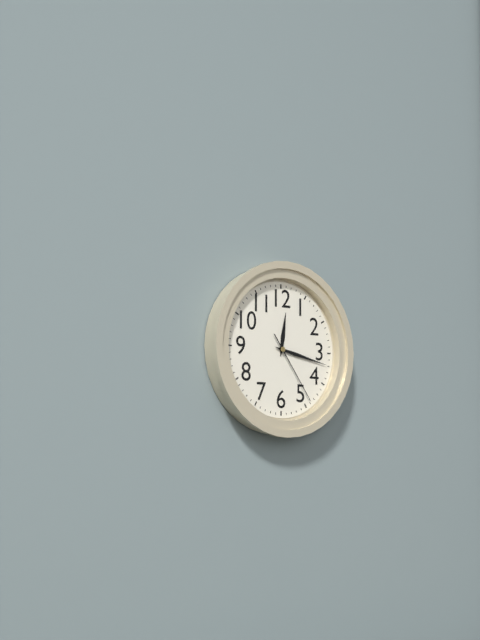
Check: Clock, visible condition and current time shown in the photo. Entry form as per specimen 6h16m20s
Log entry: 12h17m24s
